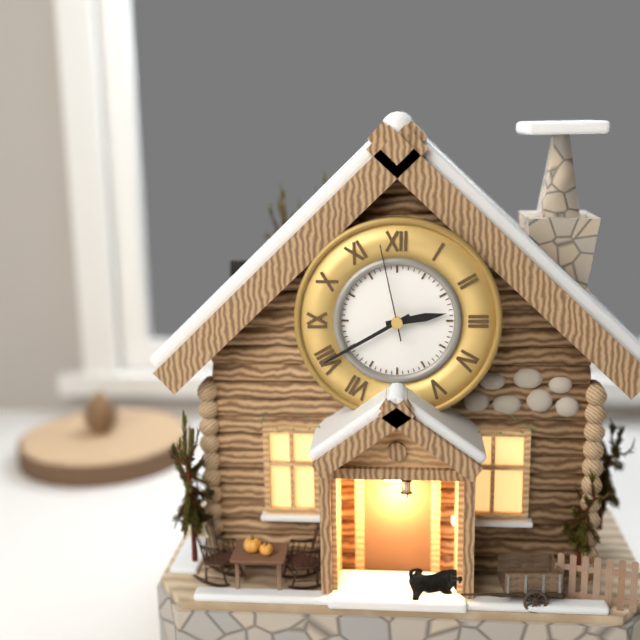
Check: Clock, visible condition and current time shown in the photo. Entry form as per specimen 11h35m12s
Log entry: 2h40m58s
